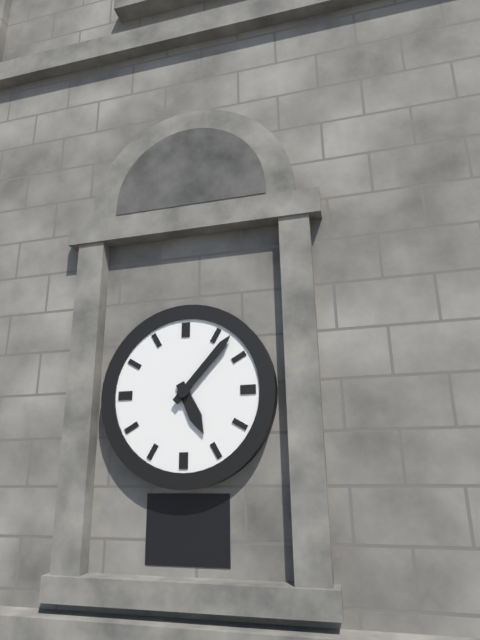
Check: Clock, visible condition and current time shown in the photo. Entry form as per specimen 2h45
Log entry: 5h07
